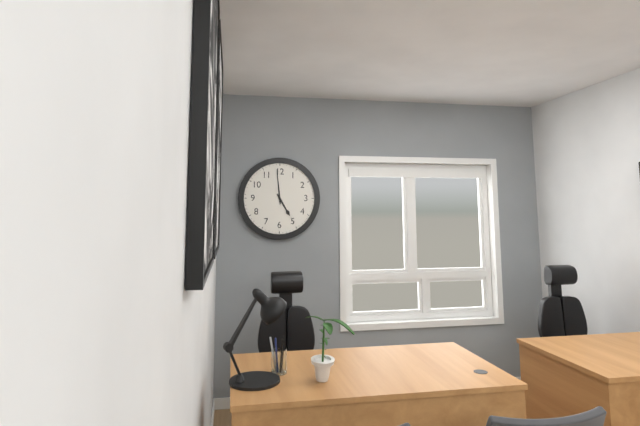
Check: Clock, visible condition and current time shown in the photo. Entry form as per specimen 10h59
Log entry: 4h59
